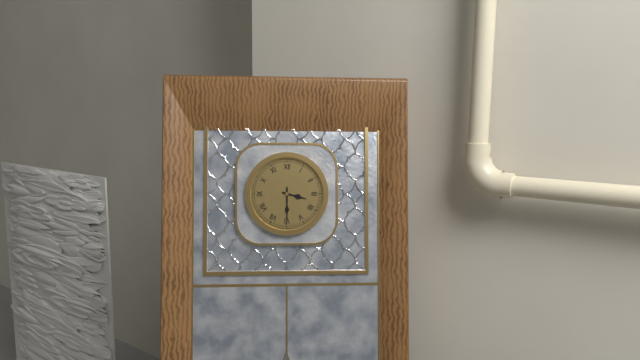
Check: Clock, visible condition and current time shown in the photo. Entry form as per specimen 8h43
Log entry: 3h30
